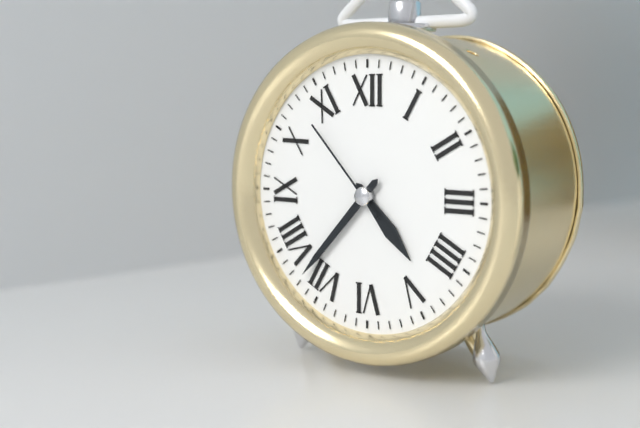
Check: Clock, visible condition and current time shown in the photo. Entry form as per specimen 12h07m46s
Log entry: 4h37m53s
